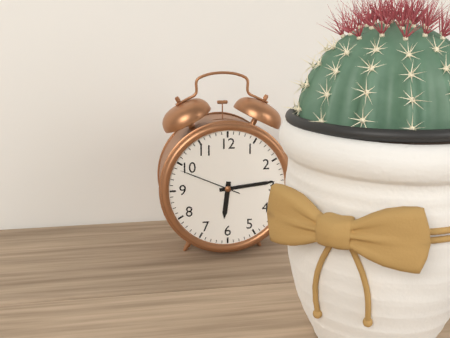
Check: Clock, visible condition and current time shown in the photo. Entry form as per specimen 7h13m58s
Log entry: 6h14m49s
